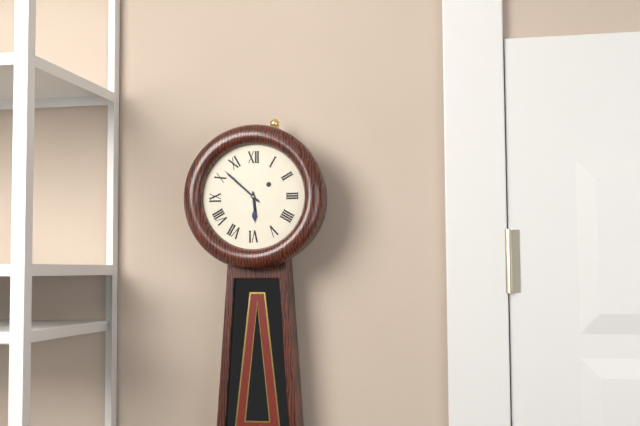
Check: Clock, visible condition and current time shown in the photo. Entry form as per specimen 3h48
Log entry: 5h52
